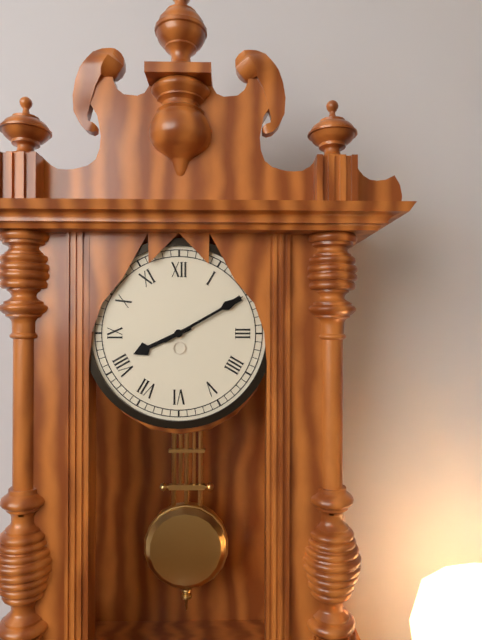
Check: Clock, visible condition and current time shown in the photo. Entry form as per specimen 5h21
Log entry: 8h10
